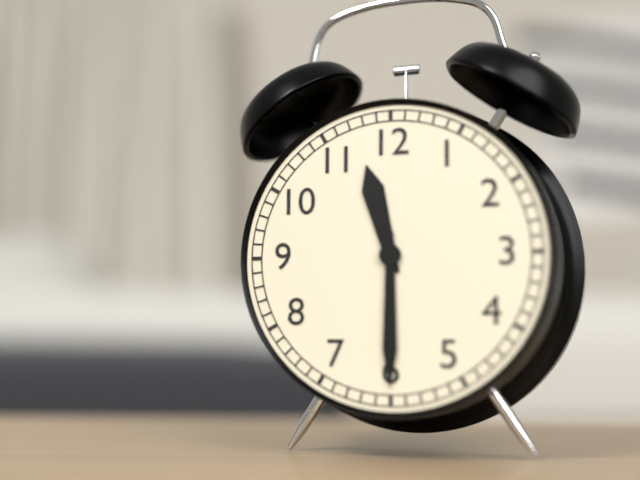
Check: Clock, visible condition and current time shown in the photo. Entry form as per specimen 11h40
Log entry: 11h30
